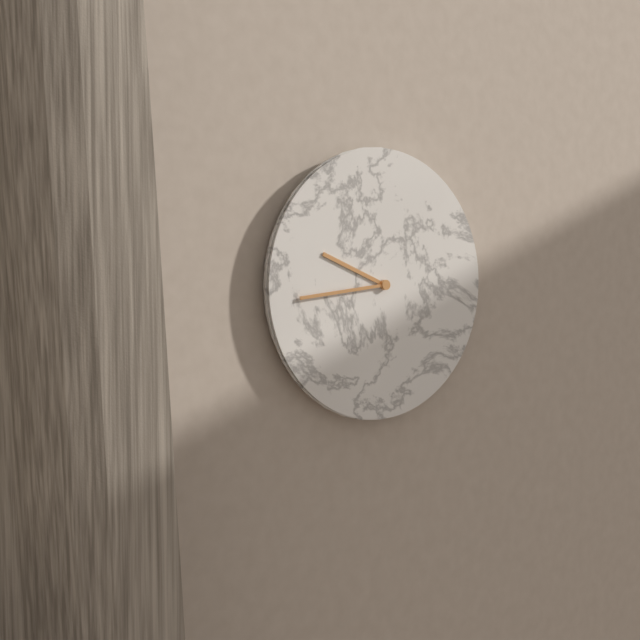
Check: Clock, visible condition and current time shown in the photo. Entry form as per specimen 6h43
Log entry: 9h44
